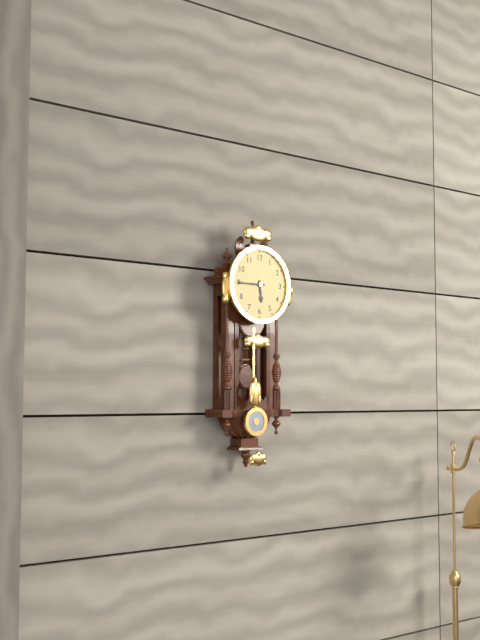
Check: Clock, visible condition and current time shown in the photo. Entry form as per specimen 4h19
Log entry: 5h45
